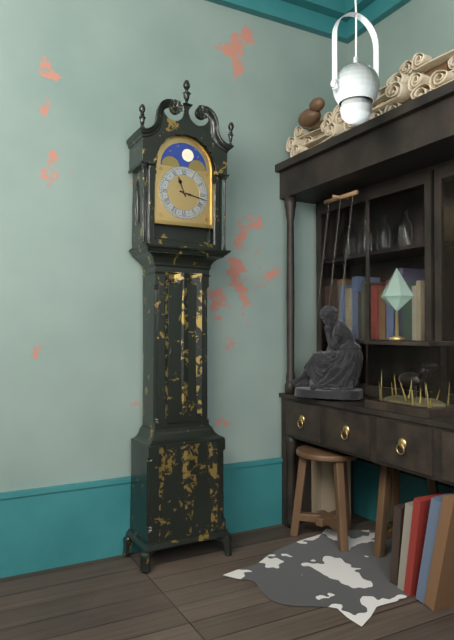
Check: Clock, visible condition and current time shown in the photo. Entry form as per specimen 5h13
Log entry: 11h17
